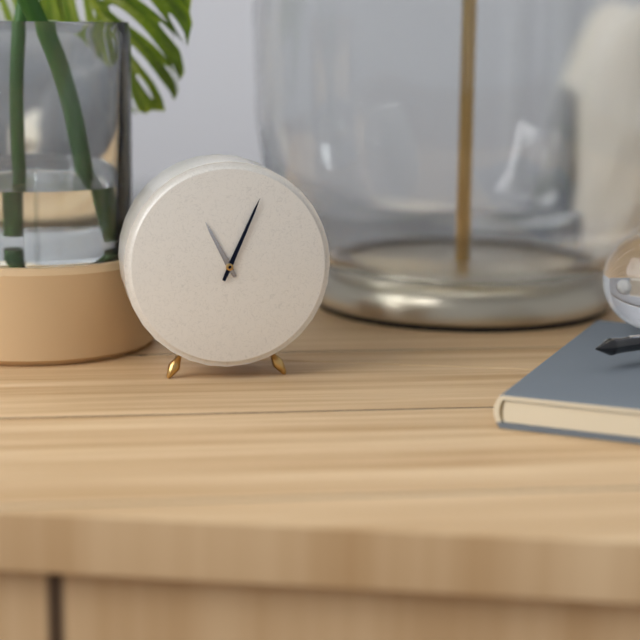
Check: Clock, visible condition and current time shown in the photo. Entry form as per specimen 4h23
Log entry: 11h04
